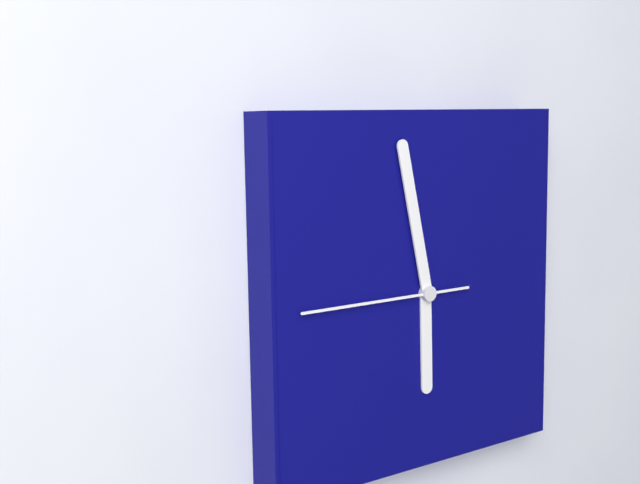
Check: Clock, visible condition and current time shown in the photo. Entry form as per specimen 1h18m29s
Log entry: 5h58m45s
